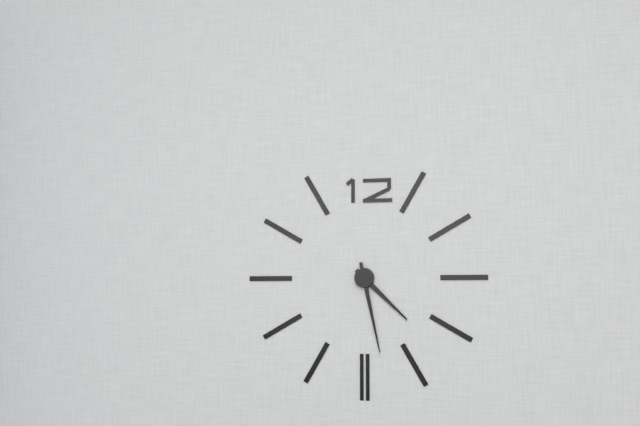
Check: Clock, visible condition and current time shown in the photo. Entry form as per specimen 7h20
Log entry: 4h28
